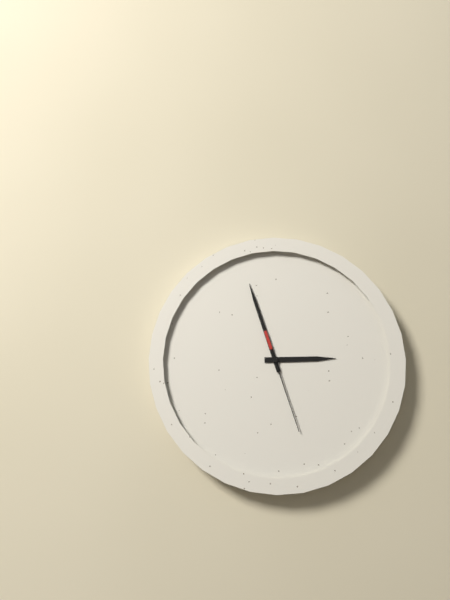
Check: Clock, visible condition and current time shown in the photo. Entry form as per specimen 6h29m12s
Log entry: 2h57m27s
